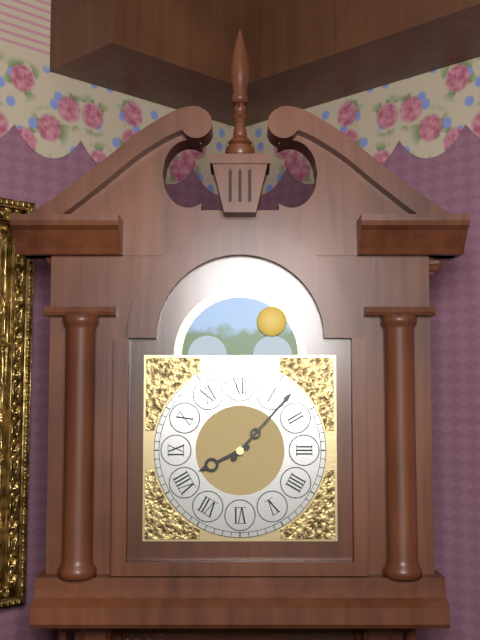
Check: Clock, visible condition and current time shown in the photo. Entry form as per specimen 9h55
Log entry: 8h07
